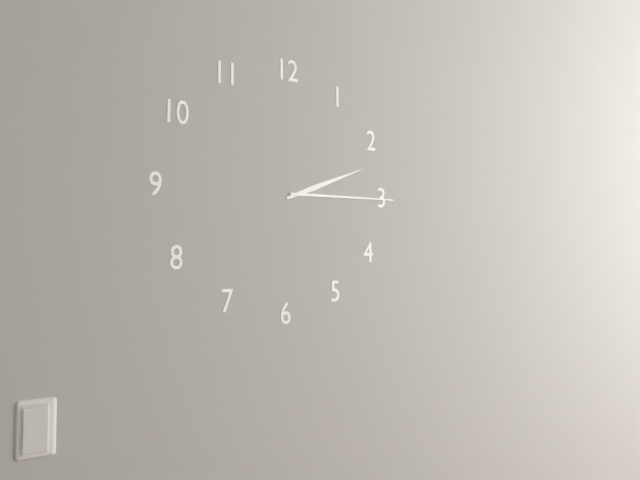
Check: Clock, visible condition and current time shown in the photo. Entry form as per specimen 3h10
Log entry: 2h15
